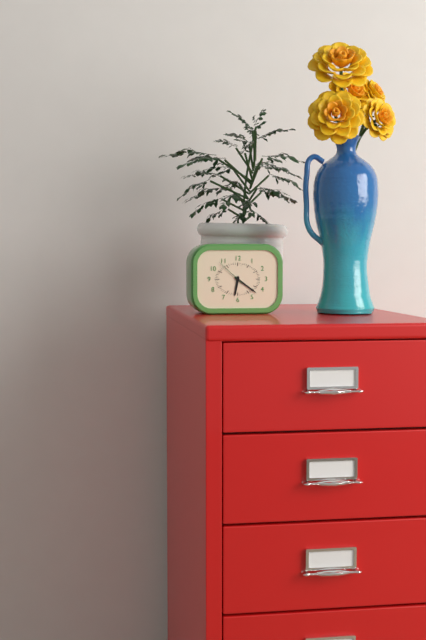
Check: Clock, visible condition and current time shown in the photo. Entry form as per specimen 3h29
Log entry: 6h21
